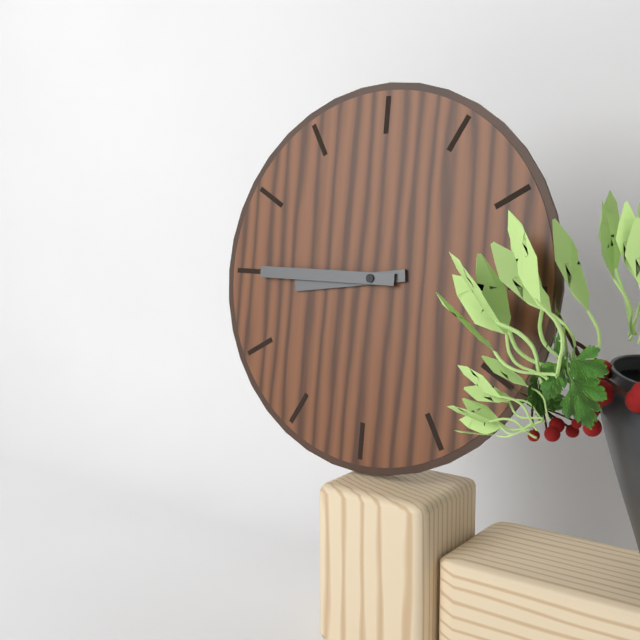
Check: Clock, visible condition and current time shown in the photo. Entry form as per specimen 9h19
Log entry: 8h45
